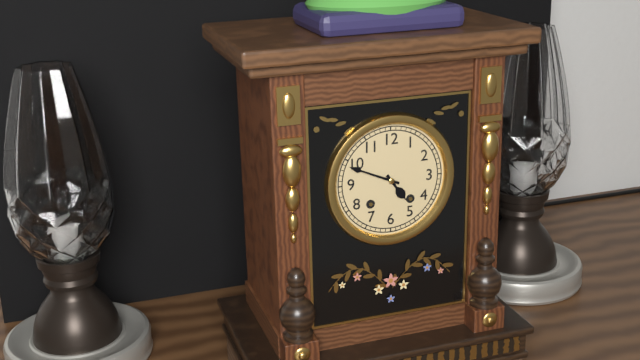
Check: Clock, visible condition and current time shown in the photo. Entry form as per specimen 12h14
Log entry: 4h49
